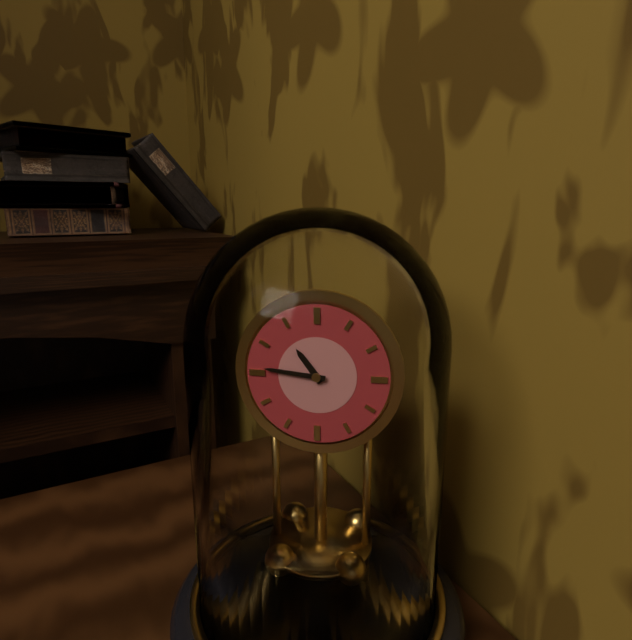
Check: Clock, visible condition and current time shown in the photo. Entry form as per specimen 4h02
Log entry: 10h46
